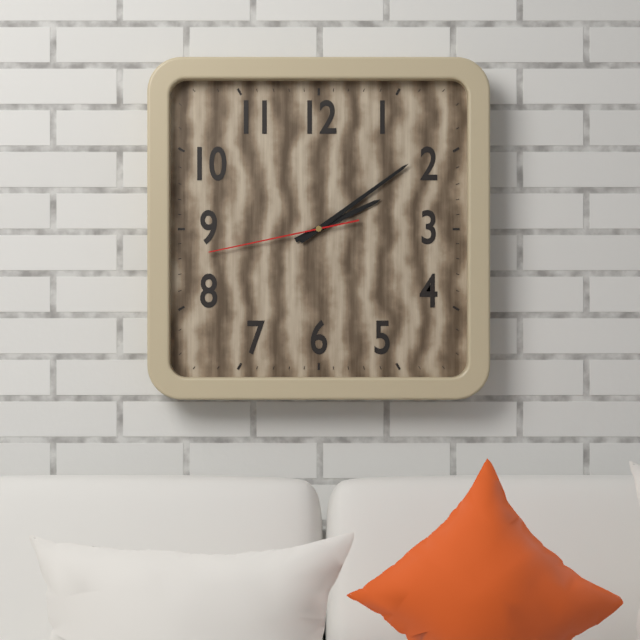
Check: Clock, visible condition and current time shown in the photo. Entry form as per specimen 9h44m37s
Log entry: 2h09m43s
